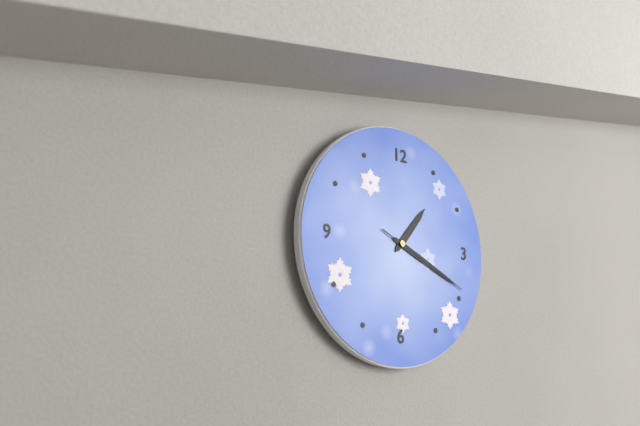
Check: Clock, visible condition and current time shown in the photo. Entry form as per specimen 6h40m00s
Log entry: 1h19m19s
